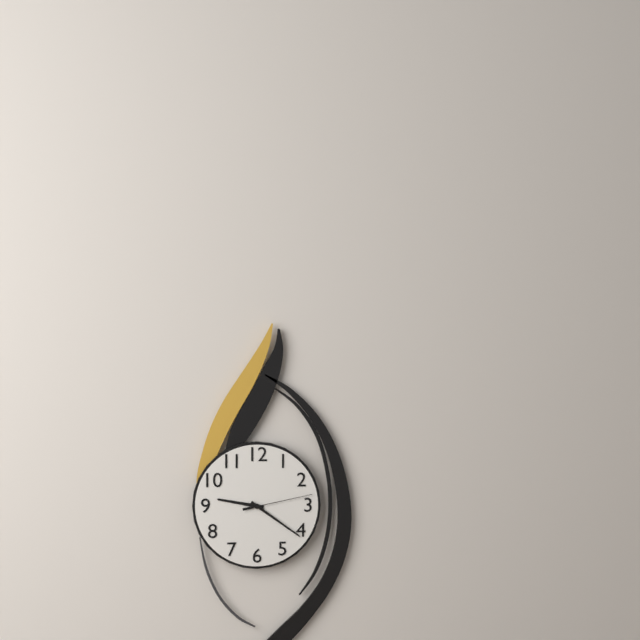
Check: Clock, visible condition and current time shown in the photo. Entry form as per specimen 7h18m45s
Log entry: 9h21m13s
